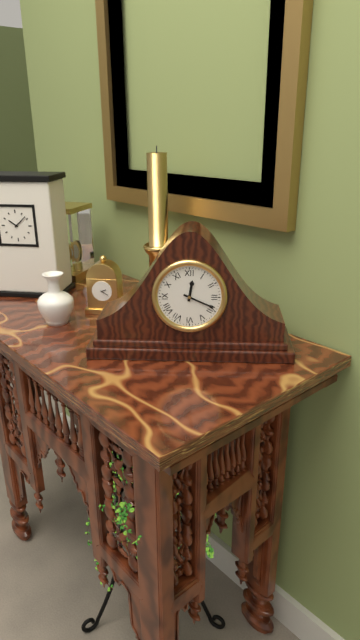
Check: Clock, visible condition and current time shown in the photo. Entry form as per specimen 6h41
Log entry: 12h19
